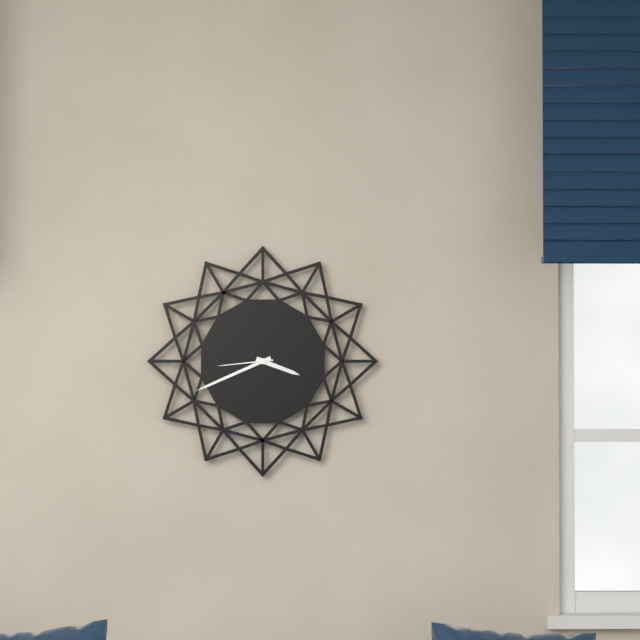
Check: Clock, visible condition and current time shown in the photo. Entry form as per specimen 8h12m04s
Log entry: 3h41m44s
